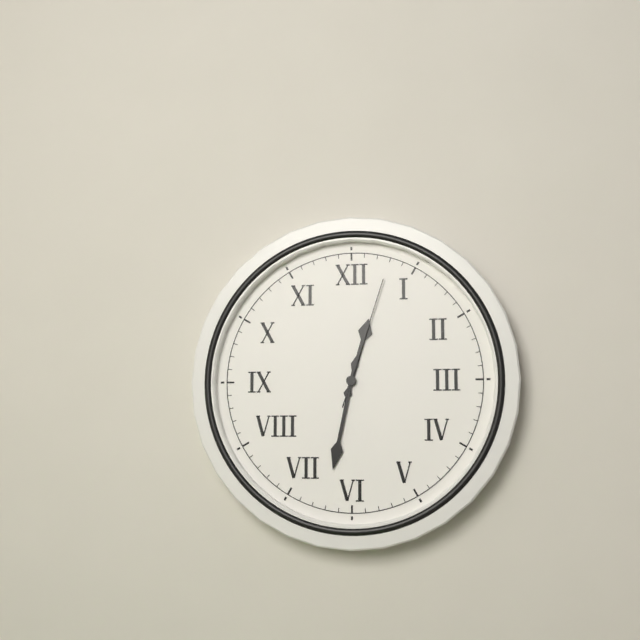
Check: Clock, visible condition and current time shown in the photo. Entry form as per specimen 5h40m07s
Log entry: 12h32m03s
